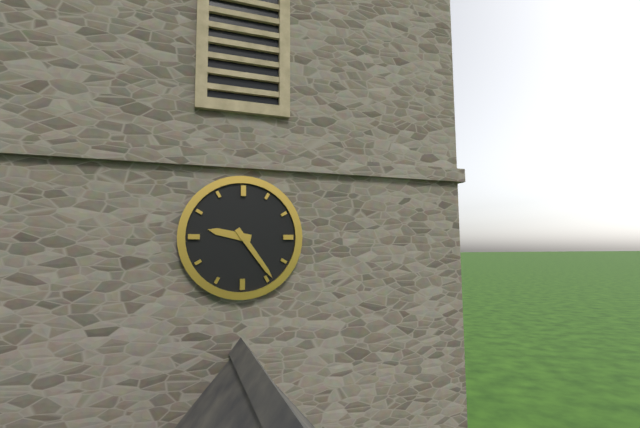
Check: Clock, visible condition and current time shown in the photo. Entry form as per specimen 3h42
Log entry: 9h24
